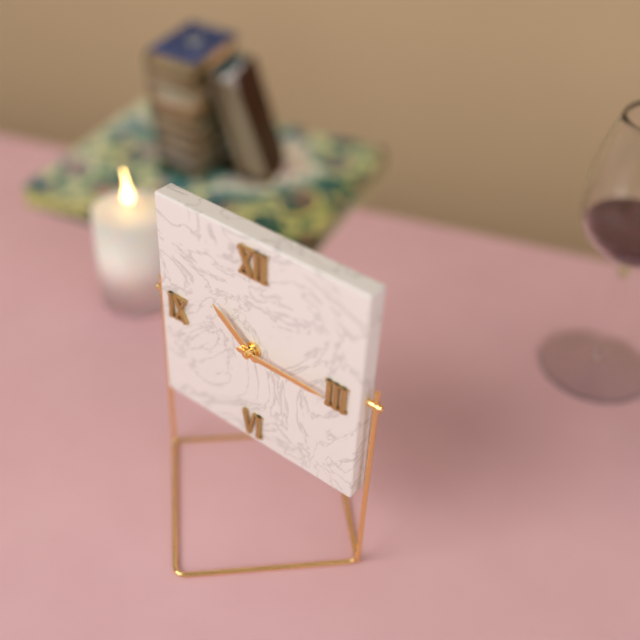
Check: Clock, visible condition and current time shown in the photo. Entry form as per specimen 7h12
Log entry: 10h15
